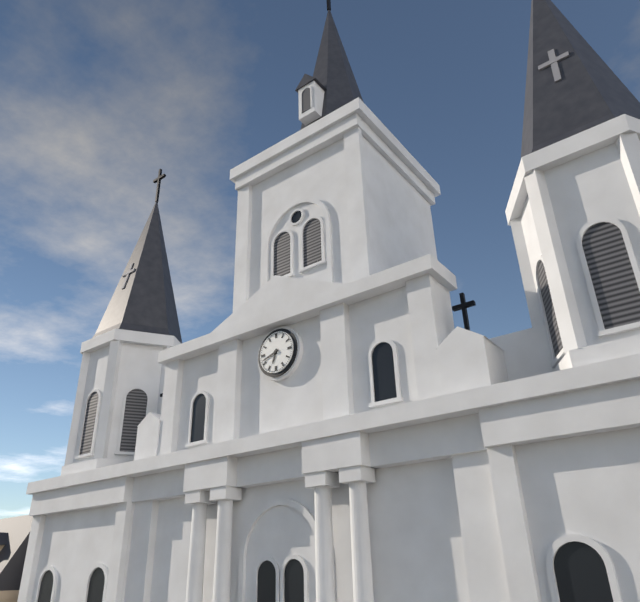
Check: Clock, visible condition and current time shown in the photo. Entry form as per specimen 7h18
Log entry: 6h42
